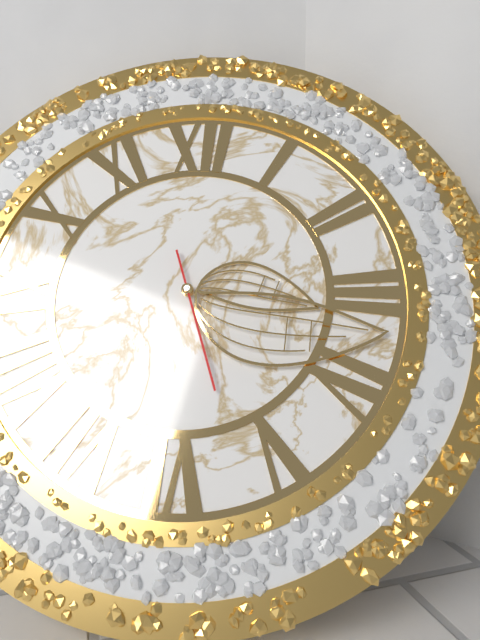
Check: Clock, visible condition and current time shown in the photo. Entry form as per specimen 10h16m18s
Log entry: 3h17m27s
